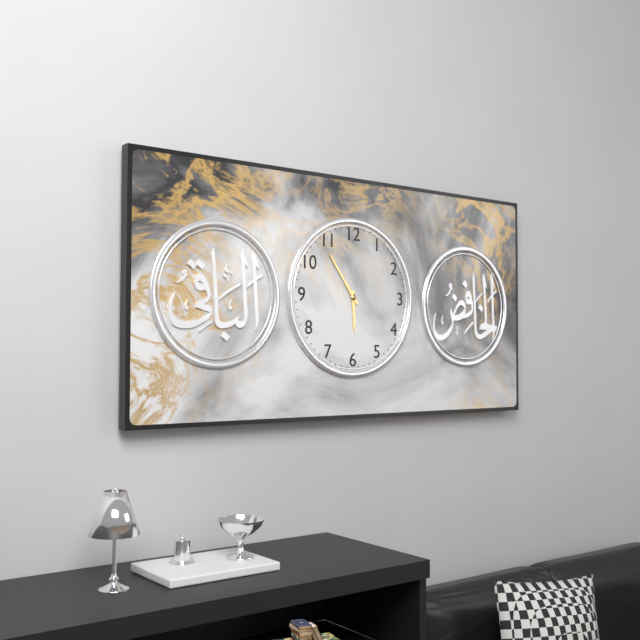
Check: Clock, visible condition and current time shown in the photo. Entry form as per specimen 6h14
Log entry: 5h54
